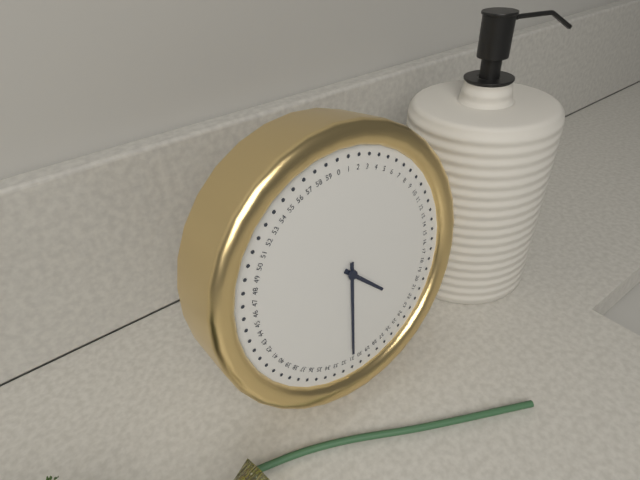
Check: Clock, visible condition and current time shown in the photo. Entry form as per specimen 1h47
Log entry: 4h31
